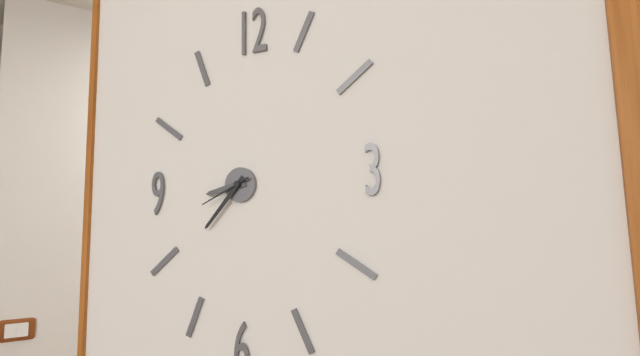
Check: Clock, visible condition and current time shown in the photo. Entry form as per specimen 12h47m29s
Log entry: 8h37m41s
